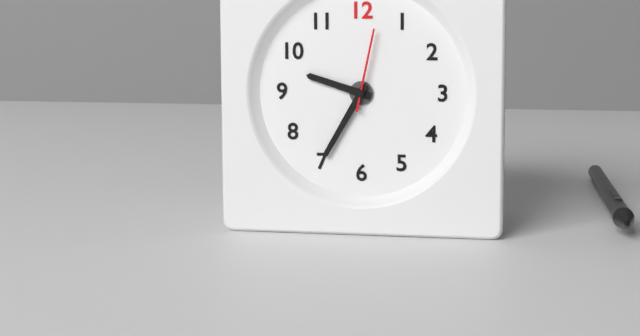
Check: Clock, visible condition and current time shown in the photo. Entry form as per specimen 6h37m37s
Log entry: 9h35m02s
